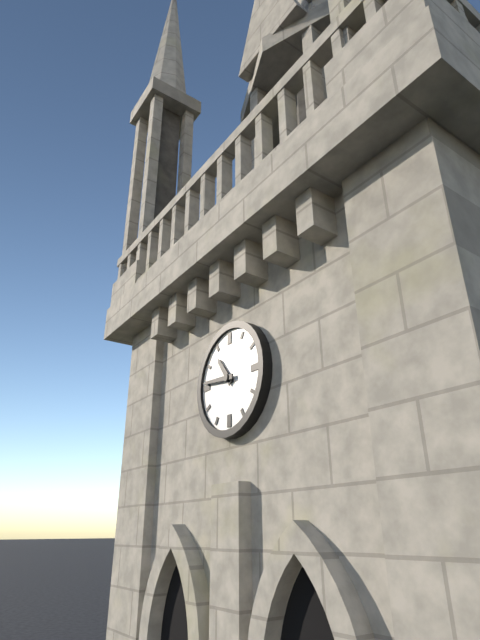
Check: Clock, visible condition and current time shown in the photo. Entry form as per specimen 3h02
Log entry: 10h46
